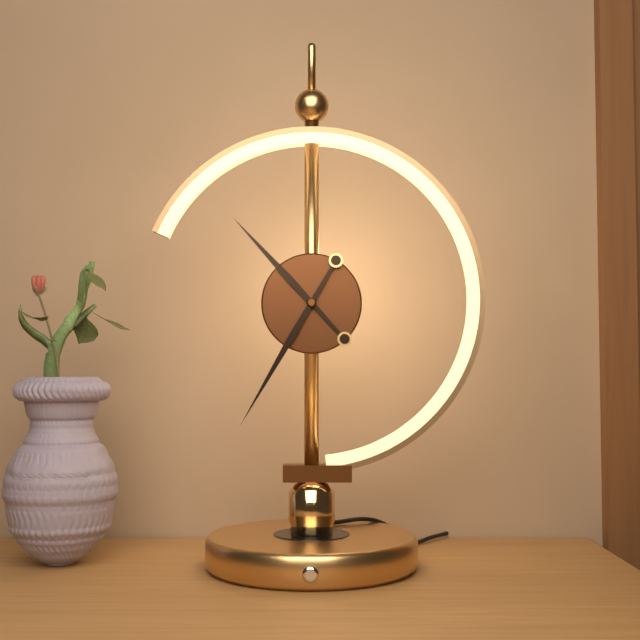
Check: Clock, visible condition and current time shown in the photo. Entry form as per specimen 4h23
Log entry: 10h35
